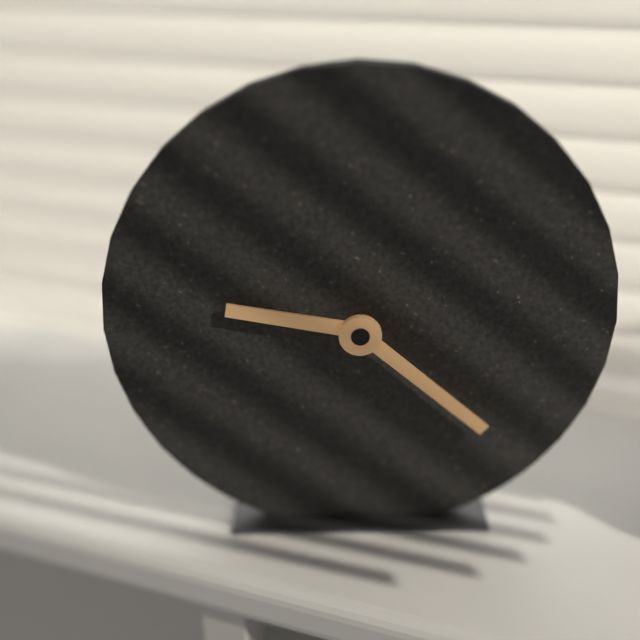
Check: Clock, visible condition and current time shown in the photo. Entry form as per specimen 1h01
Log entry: 9h22
